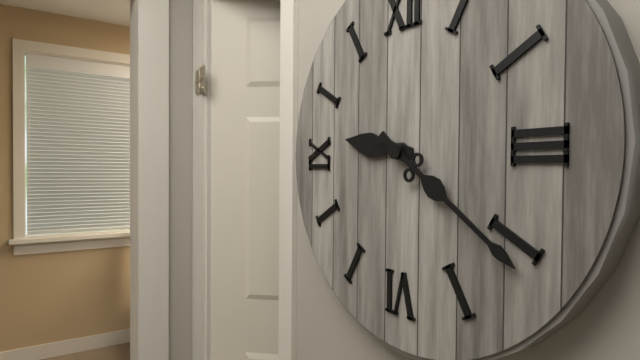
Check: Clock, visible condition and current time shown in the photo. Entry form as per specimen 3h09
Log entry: 9h21
